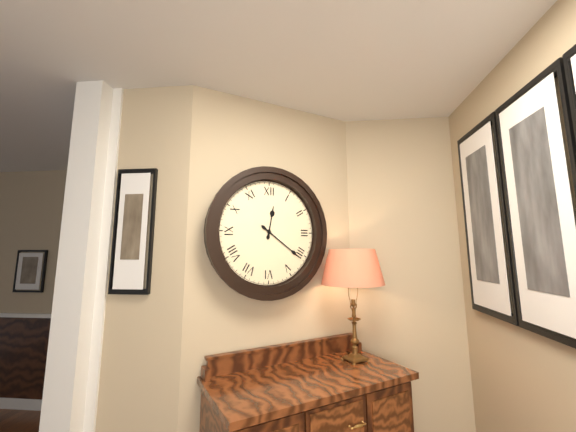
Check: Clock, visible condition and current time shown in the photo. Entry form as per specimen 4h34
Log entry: 12h21
